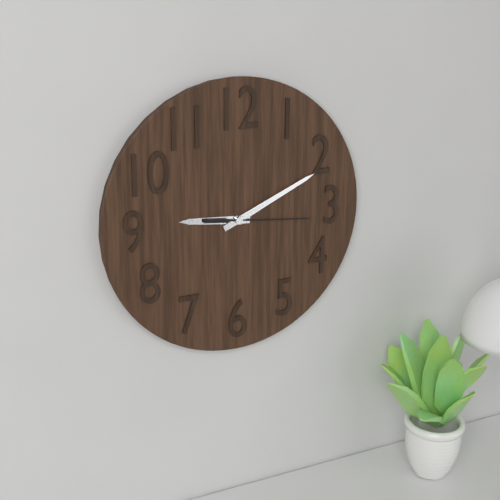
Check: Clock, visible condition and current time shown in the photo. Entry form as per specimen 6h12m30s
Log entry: 9h11m16s
